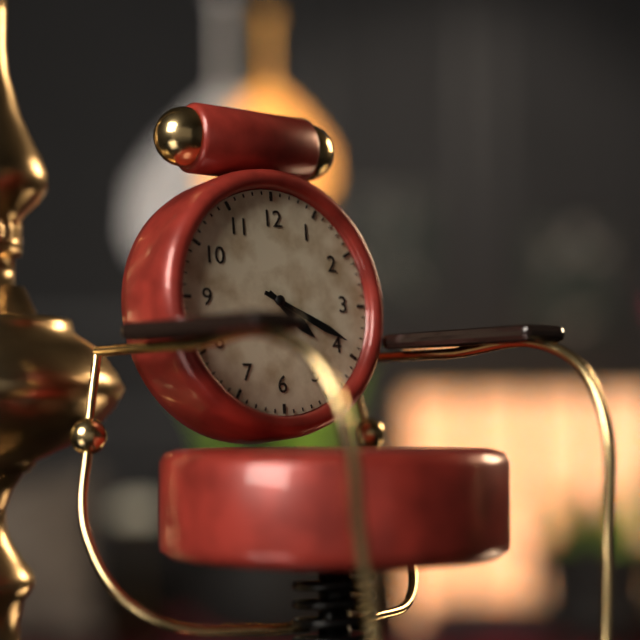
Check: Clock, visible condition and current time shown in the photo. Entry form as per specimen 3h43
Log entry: 4h19
